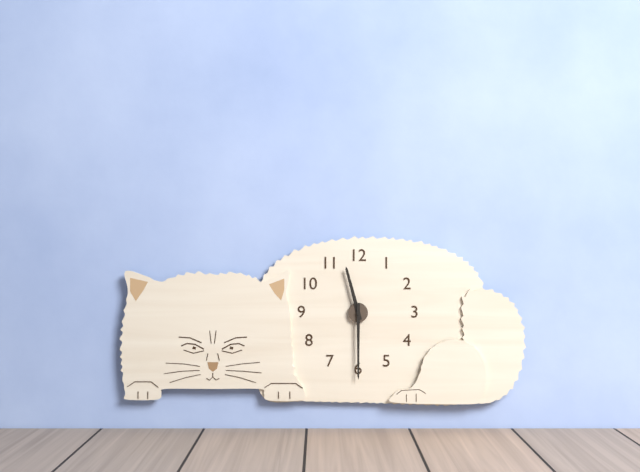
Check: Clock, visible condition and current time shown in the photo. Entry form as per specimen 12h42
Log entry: 11h30
